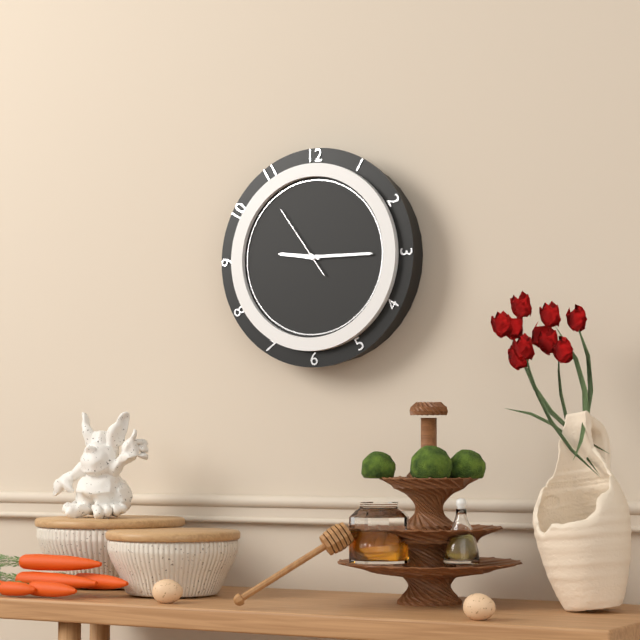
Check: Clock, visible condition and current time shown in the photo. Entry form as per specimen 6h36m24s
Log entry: 9h15m54s
